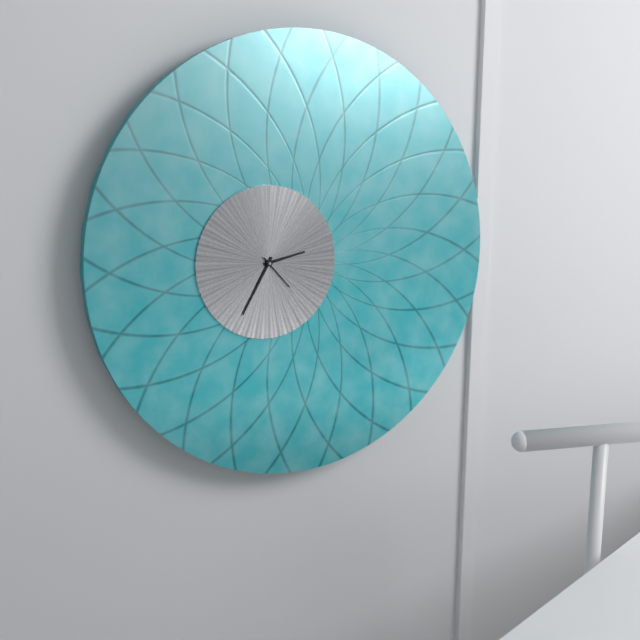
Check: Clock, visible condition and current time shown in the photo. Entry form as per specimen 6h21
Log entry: 2h35
